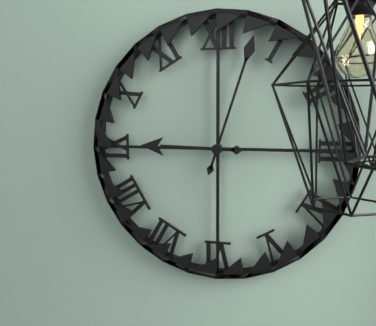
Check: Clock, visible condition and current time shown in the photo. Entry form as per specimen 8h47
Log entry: 9h03
